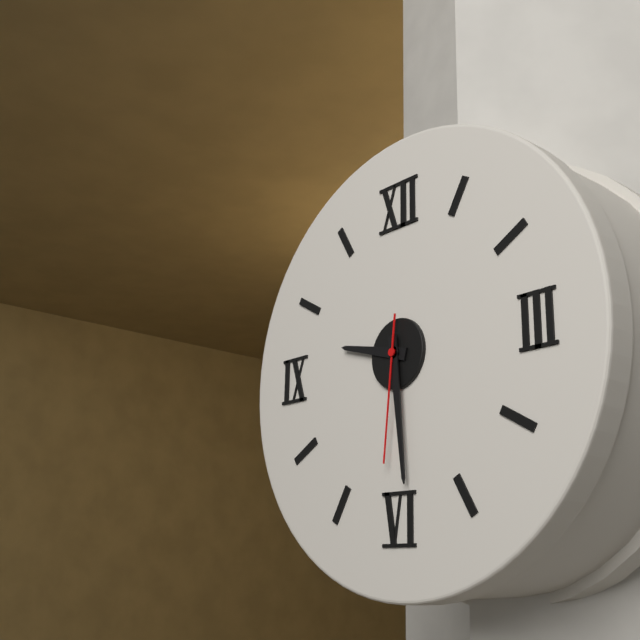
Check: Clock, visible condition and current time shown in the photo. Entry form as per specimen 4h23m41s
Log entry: 9h29m31s
